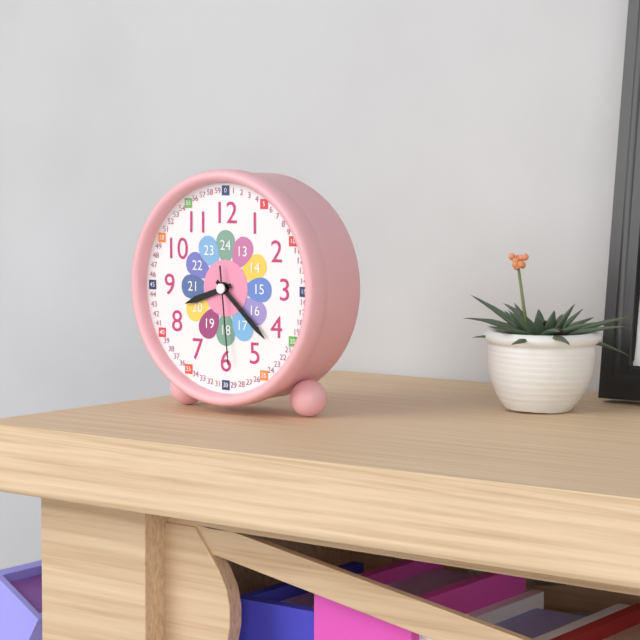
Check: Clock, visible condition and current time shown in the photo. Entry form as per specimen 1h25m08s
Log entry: 8h22m29s
